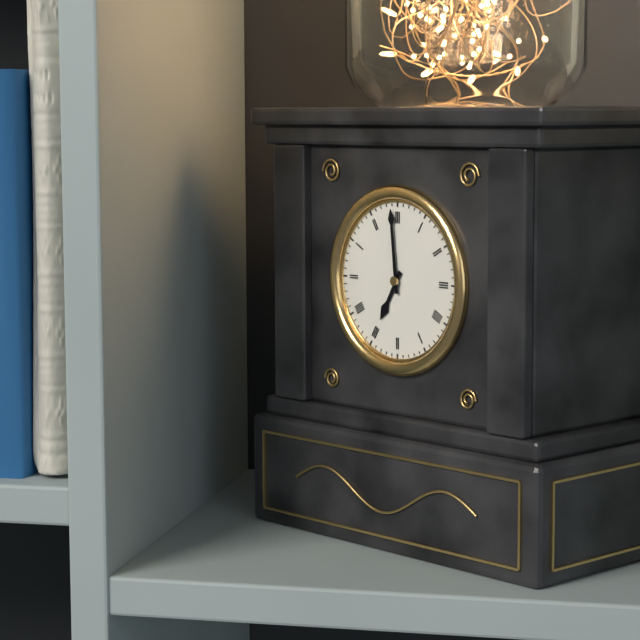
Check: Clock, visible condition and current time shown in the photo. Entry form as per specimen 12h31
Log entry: 6h59
